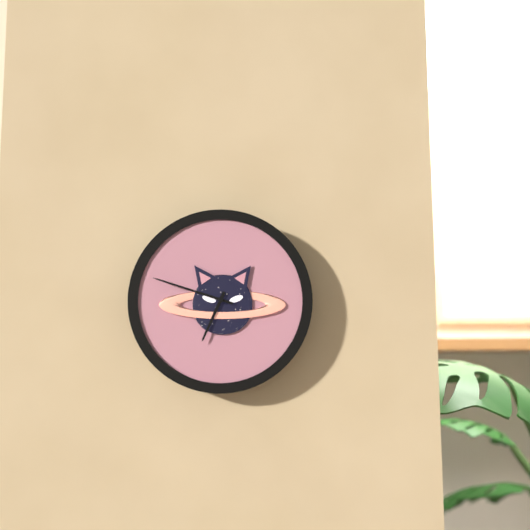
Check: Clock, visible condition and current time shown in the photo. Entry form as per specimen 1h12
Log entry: 6h48
